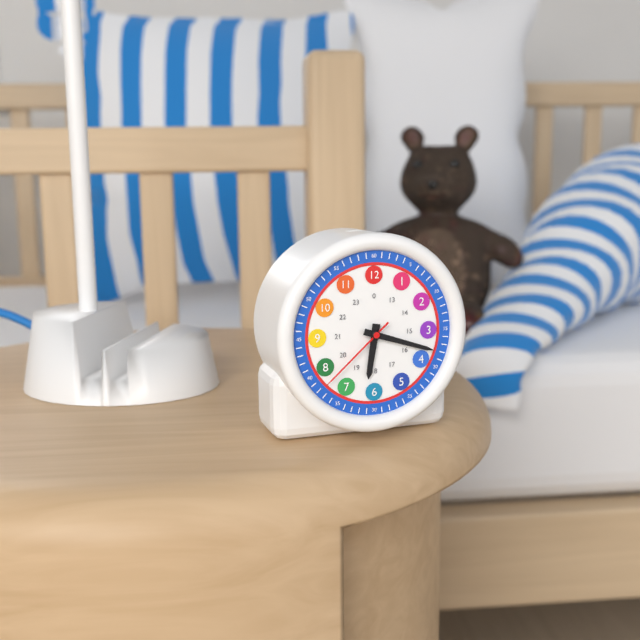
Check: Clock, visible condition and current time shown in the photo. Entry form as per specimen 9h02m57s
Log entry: 6h18m38s
